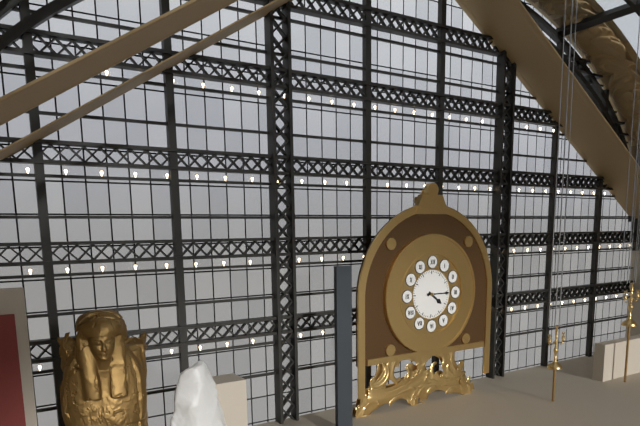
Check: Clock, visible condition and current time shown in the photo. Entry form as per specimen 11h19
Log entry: 4h15
